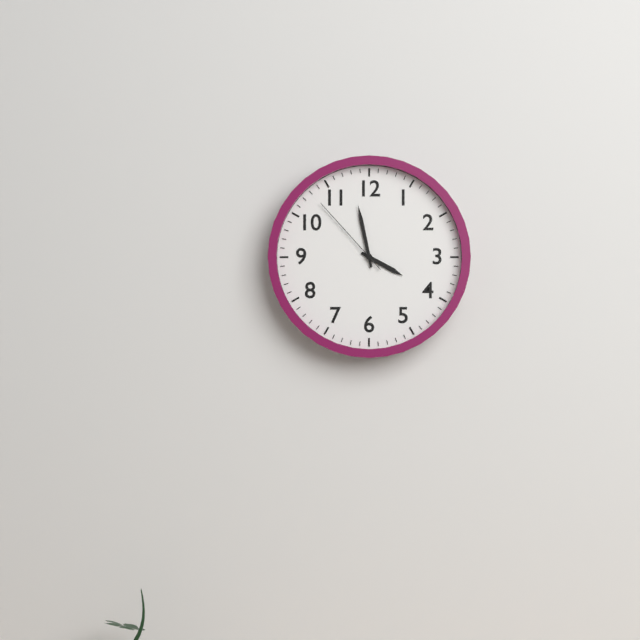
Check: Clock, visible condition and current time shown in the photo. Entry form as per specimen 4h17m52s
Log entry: 3h58m53s
